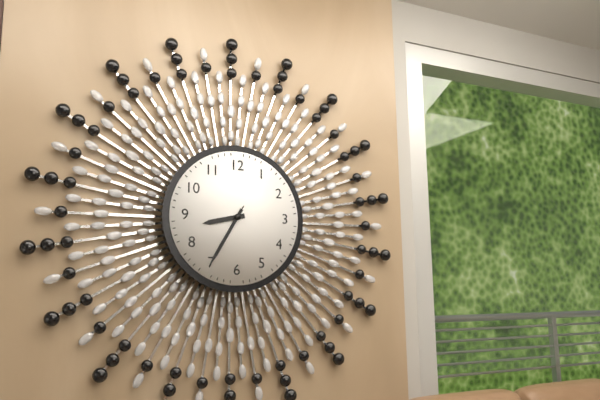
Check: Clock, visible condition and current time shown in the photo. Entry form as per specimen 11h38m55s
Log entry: 8h35m35s
